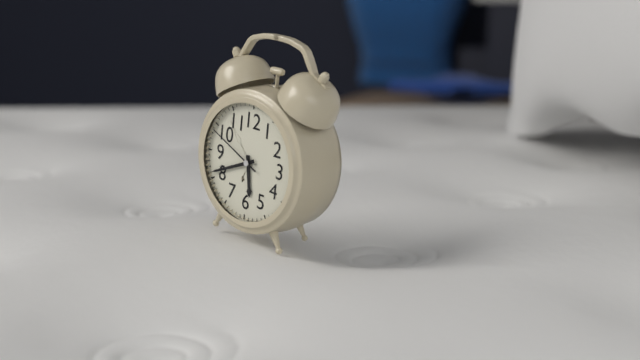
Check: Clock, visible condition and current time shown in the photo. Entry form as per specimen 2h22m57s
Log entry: 5h41m49s
